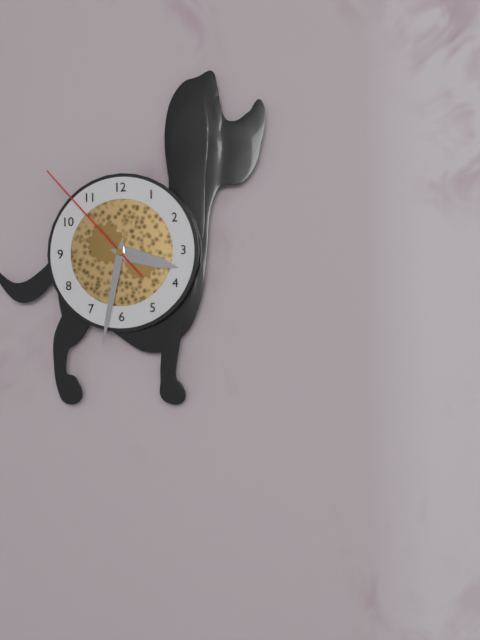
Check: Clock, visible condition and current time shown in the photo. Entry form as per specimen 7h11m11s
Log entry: 3h32m53s
